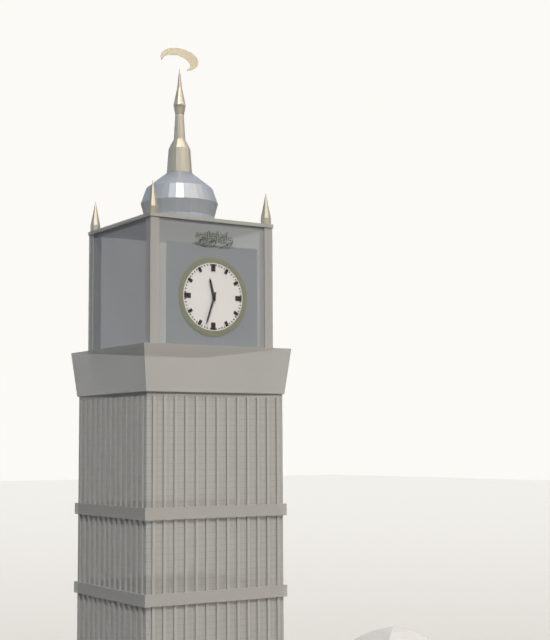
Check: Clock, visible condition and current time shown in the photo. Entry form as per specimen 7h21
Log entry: 11h33
